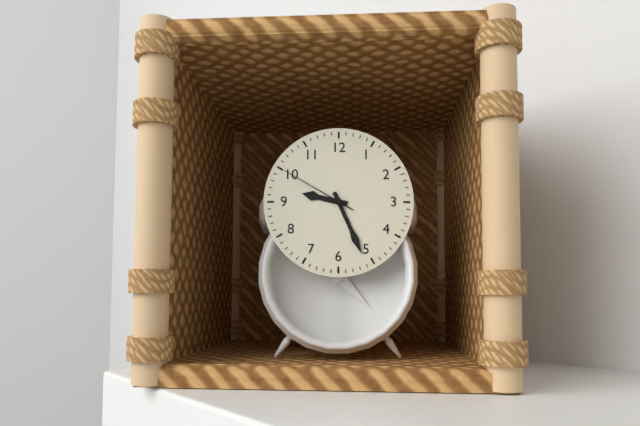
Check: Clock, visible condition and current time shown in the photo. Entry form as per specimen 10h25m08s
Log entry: 9h26m50s
